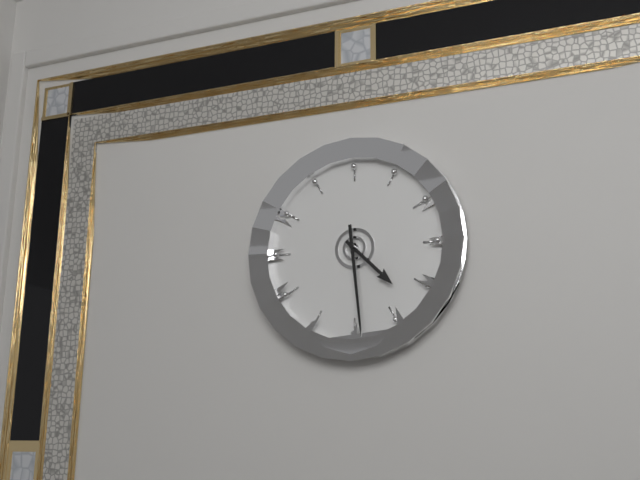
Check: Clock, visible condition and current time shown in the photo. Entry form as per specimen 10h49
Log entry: 4h29
